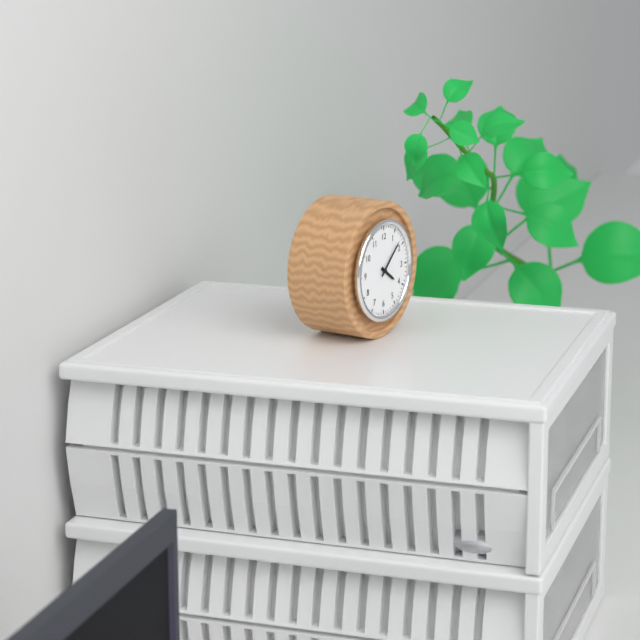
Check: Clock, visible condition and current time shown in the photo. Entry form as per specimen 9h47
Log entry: 4h08
